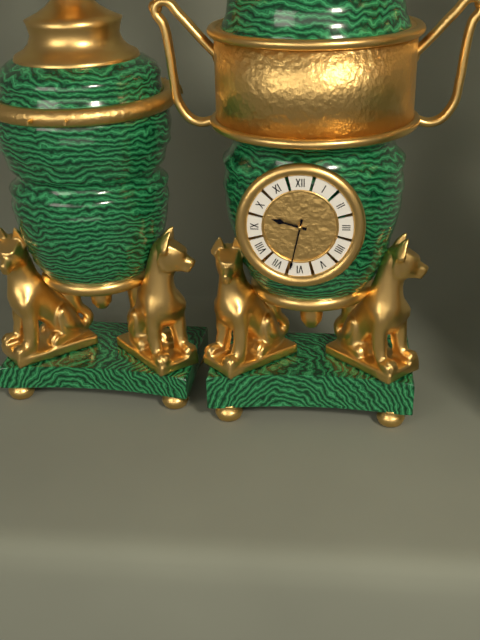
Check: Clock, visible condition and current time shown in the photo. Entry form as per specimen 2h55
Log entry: 9h32
